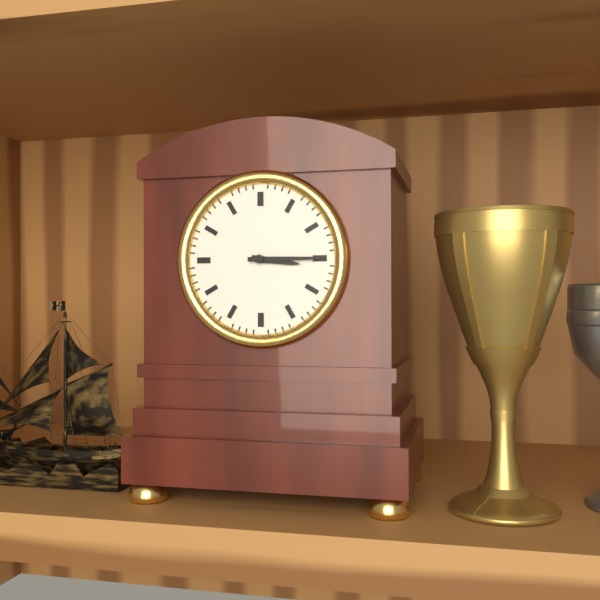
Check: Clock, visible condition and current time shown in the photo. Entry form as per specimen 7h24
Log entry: 3h15
